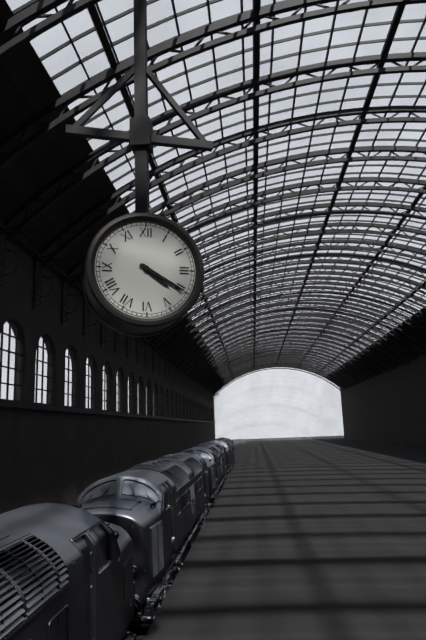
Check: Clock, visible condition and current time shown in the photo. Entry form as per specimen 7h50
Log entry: 4h20
